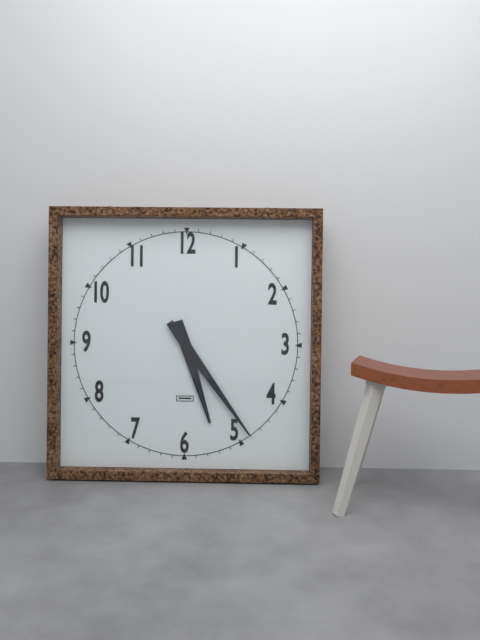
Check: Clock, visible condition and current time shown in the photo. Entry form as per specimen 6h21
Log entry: 5h24
